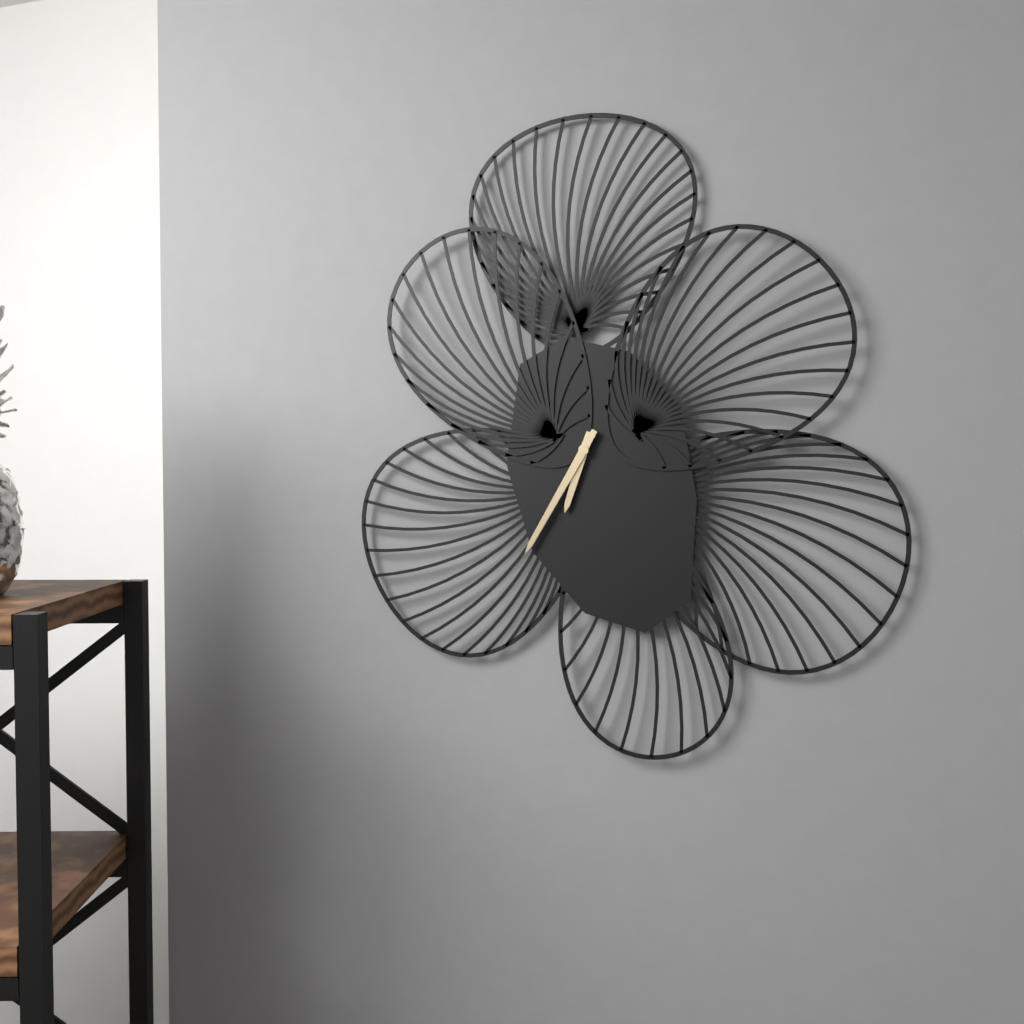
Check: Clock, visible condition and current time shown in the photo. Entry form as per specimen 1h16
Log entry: 6h35
